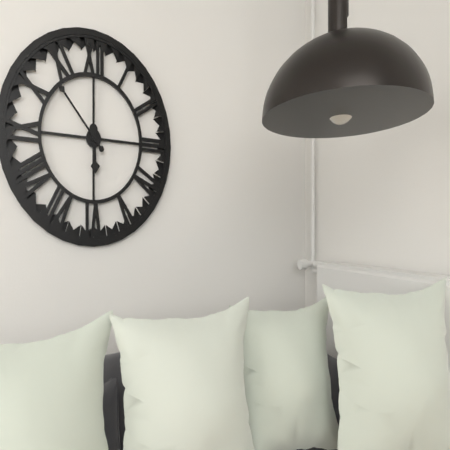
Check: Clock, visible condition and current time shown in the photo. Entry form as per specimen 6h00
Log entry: 5h53
